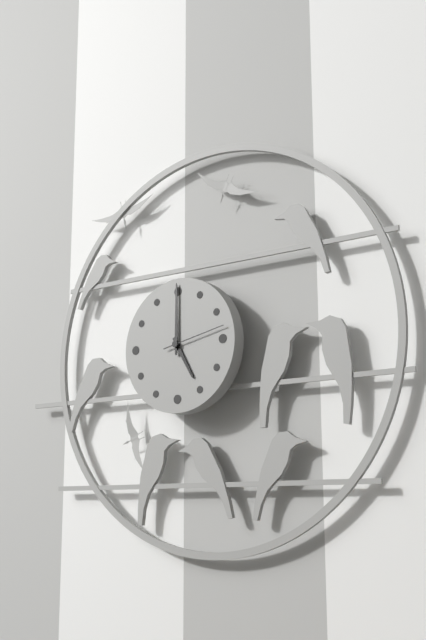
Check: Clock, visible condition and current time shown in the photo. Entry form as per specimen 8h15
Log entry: 5h00
